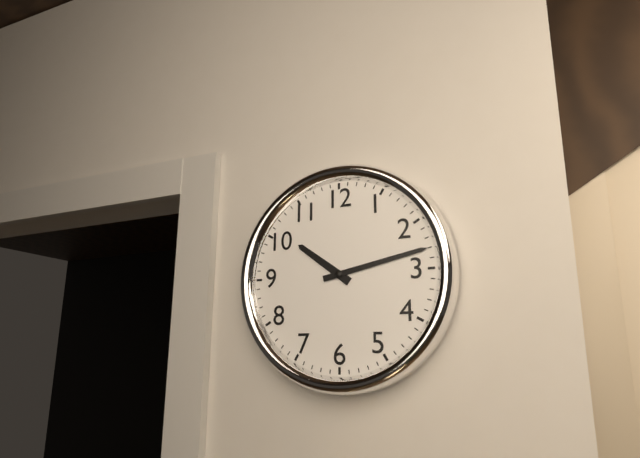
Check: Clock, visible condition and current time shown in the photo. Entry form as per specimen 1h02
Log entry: 10h13
